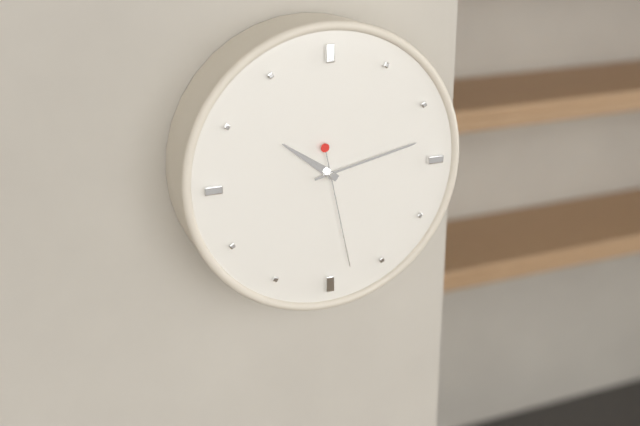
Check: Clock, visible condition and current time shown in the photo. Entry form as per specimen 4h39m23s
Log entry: 10h13m28s
